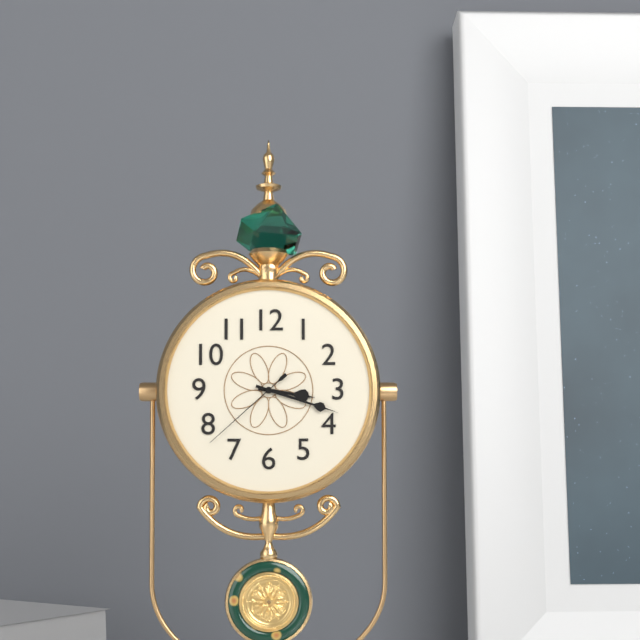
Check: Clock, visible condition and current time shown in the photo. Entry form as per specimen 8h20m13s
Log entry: 3h18m38s
